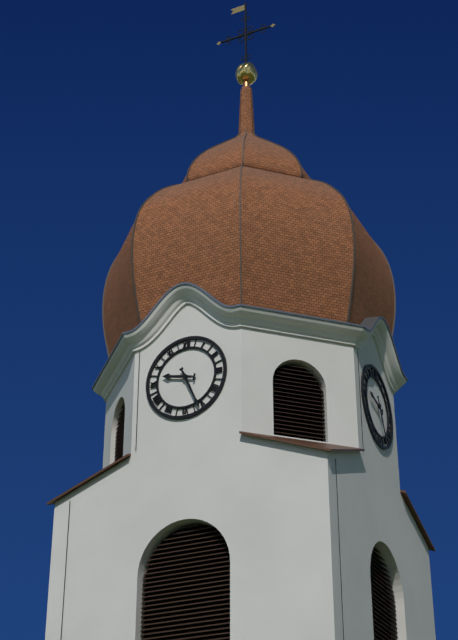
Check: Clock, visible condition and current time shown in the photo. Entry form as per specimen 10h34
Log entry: 9h26
